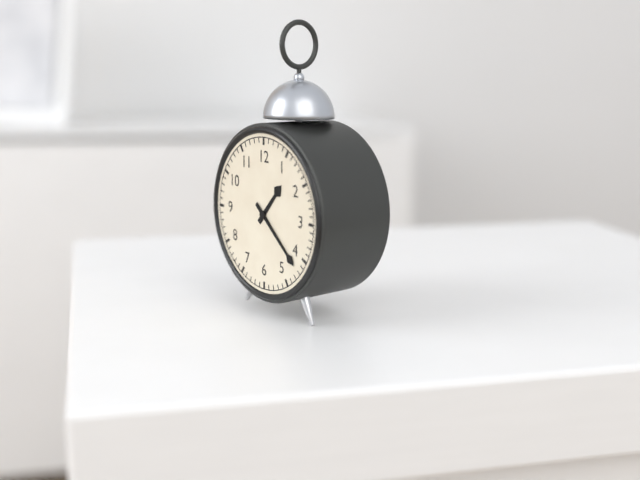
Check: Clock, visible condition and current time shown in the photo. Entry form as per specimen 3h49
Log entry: 1h22
